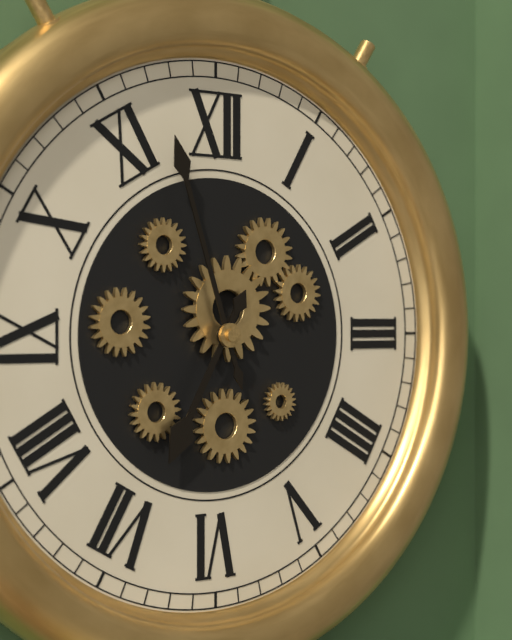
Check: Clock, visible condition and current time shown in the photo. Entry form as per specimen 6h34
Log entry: 6h57
